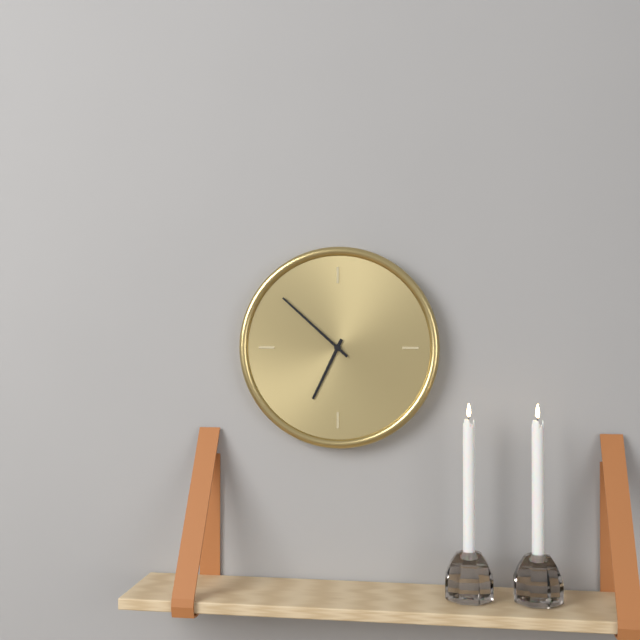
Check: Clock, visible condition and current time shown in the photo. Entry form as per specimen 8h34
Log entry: 6h52
